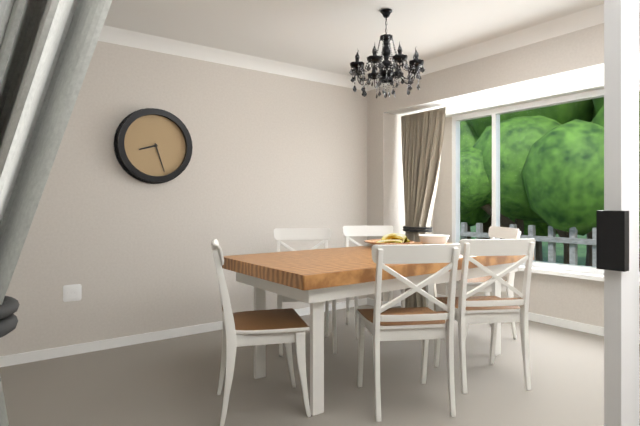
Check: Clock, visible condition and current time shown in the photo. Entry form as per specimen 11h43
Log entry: 8h27
